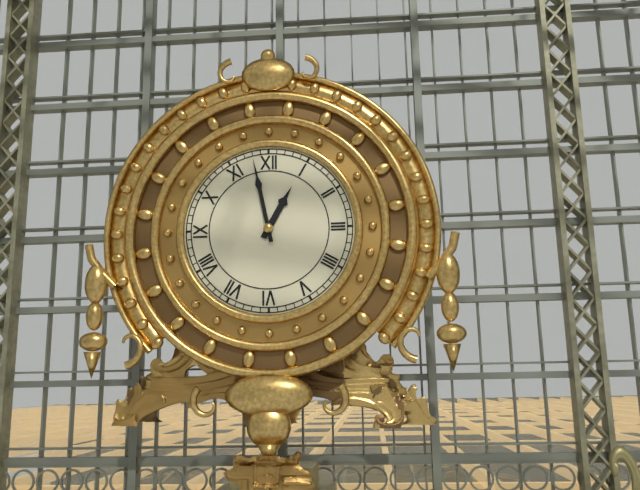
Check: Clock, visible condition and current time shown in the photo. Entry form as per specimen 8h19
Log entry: 12h58
